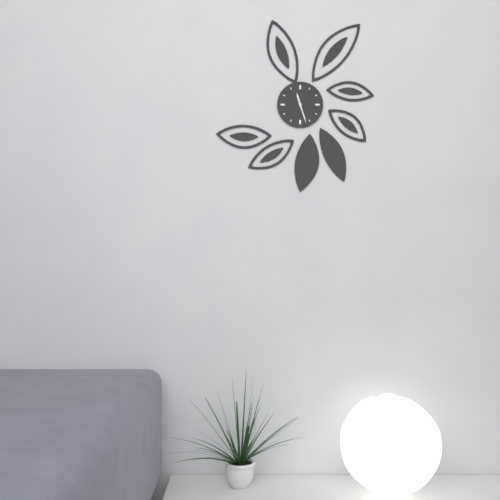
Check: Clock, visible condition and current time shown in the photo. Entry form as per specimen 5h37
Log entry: 11h27
